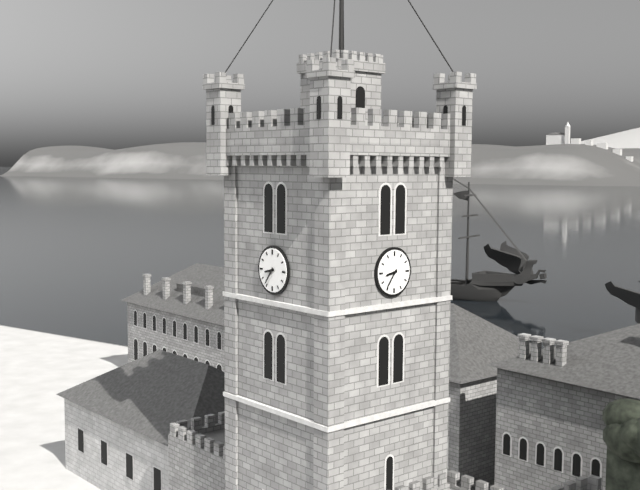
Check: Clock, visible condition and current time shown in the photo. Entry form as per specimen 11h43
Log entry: 8h36
